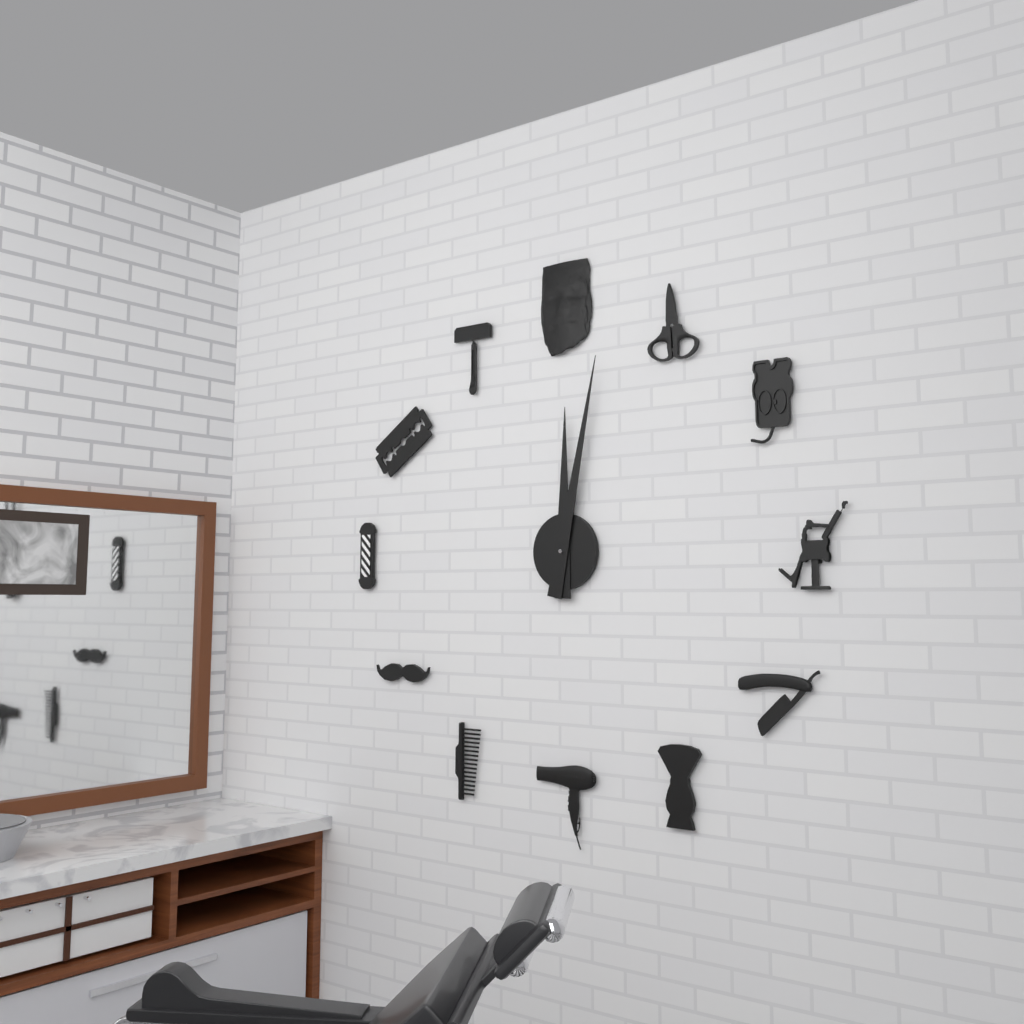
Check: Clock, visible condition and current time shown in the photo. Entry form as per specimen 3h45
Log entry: 12h02
